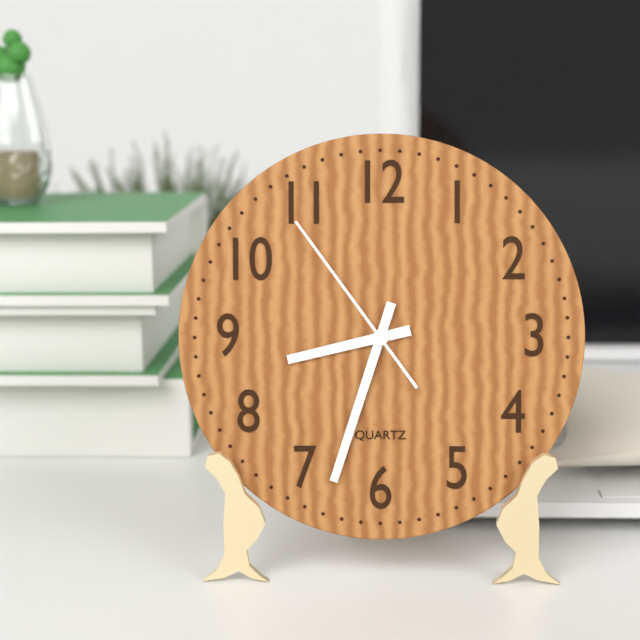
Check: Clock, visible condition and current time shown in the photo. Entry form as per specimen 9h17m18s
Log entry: 8h33m54s
